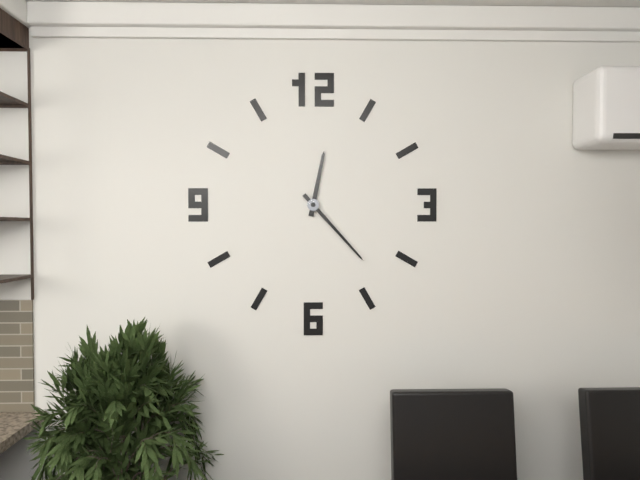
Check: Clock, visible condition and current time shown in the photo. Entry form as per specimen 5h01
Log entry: 12h23
